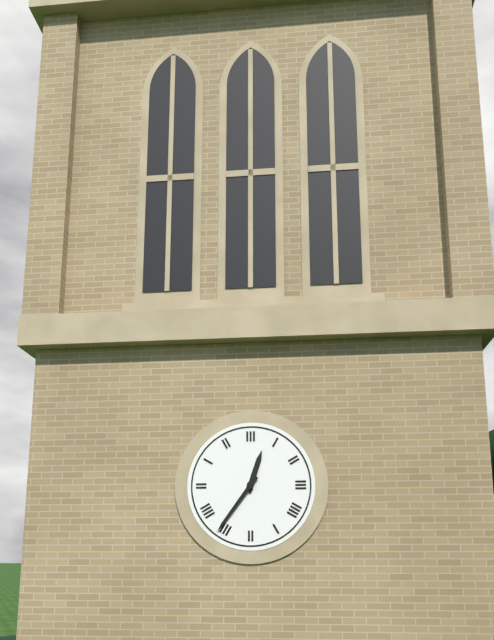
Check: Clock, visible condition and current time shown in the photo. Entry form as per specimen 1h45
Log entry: 12h36
